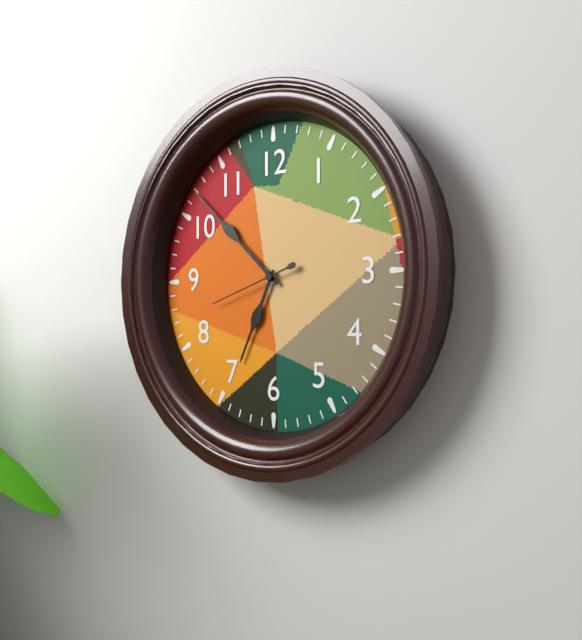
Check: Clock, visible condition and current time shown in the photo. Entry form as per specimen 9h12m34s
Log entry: 6h52m42s
